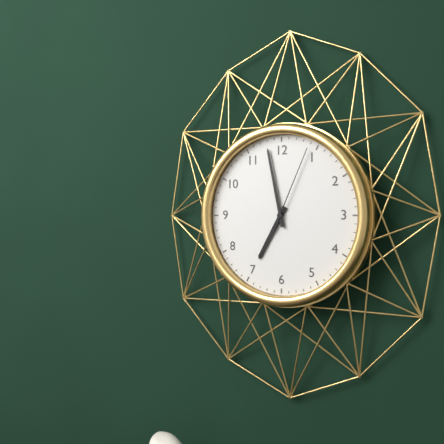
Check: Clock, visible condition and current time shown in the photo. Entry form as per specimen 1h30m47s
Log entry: 6h58m04s
